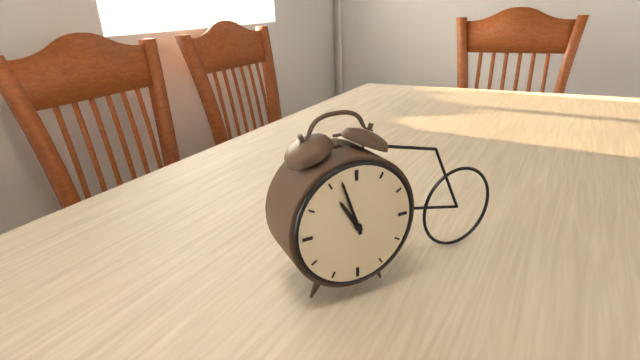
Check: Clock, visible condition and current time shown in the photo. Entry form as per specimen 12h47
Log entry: 10h57
